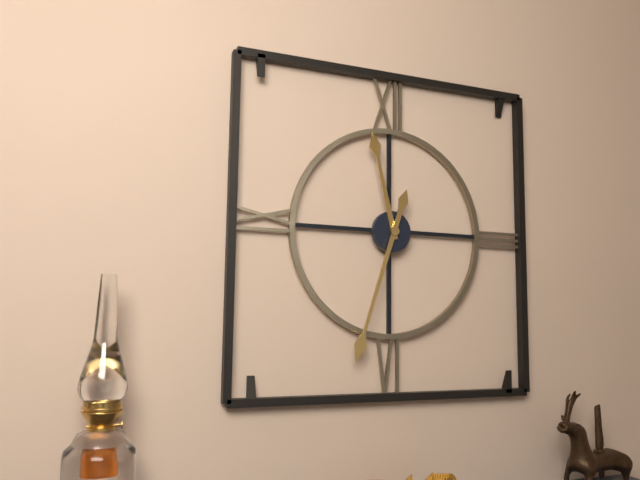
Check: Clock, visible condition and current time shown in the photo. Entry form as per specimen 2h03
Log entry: 11h33
